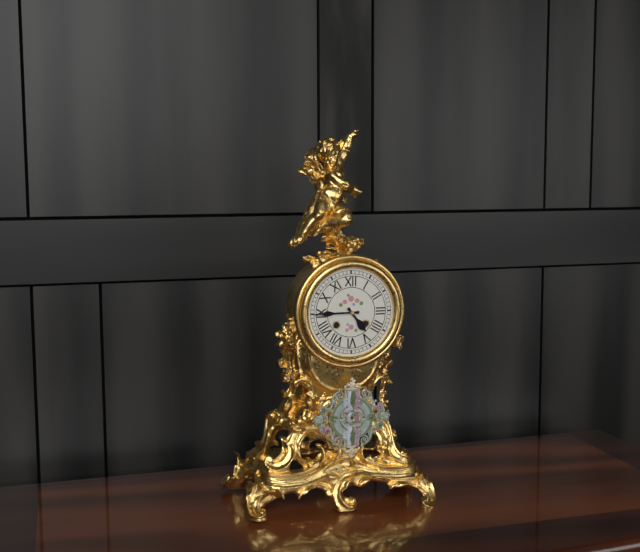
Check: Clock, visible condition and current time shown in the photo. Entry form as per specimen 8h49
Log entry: 4h45
